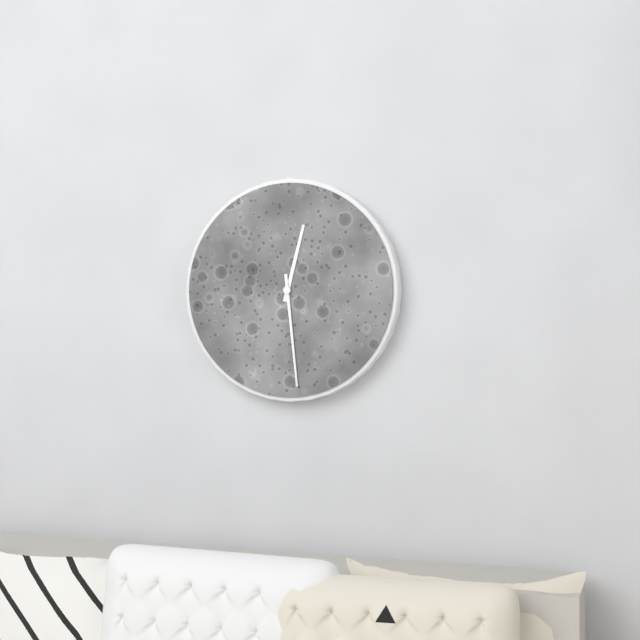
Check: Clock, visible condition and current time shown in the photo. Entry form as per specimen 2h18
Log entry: 12h29
